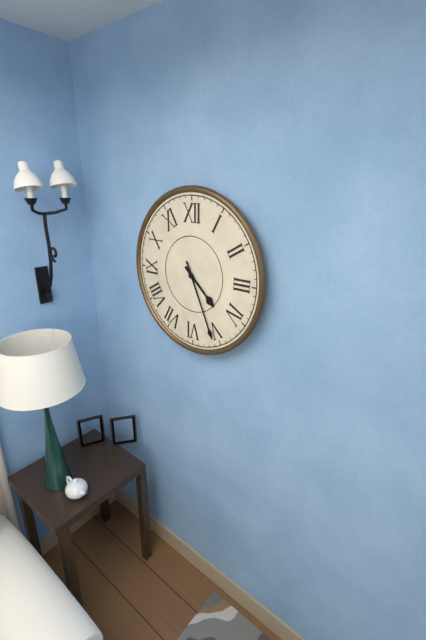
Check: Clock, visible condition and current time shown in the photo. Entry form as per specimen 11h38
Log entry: 4h26
